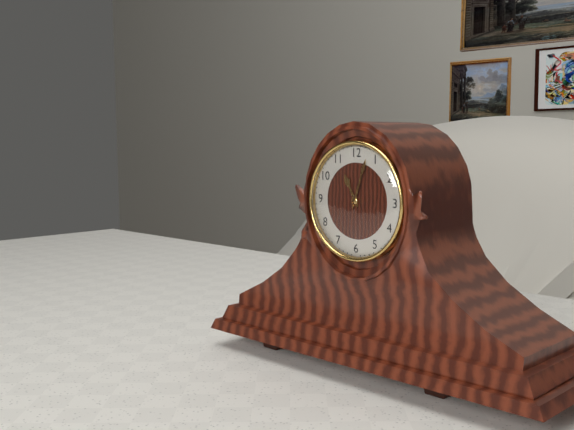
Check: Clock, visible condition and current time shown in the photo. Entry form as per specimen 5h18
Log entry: 11h03
